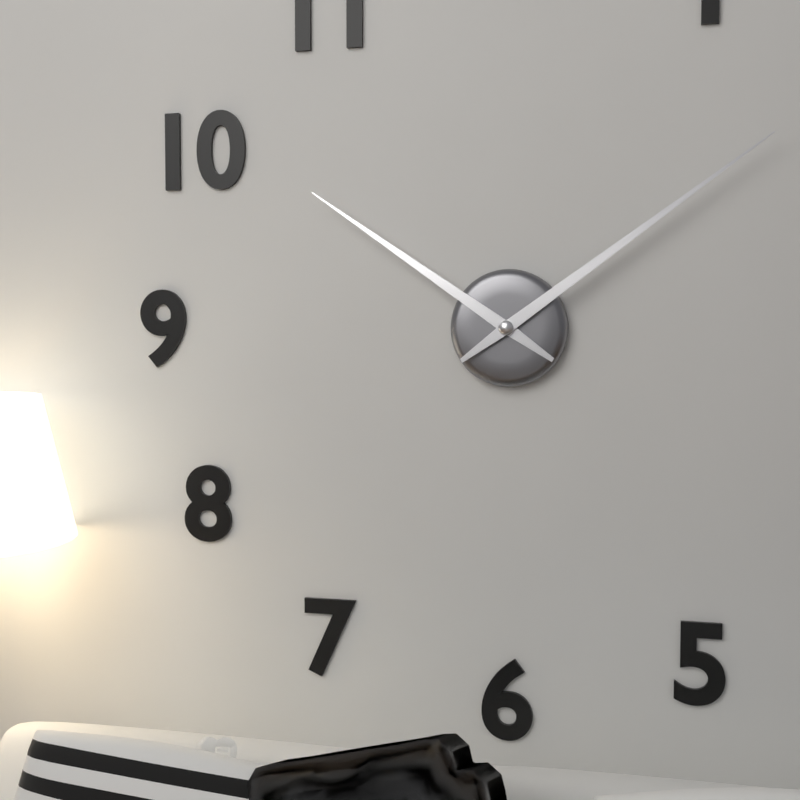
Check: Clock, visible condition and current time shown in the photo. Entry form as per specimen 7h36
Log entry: 10h09
